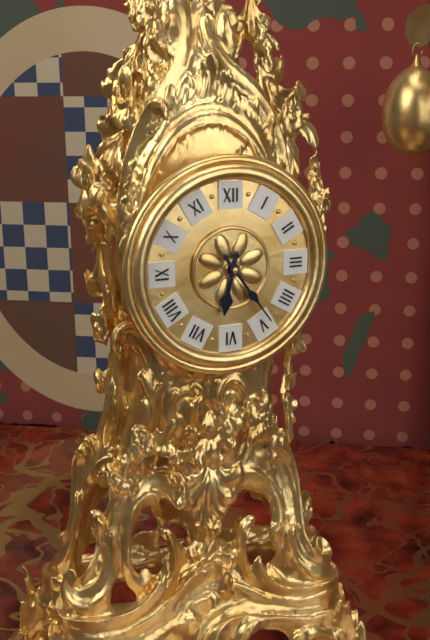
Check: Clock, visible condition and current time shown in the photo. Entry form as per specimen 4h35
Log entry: 6h24
